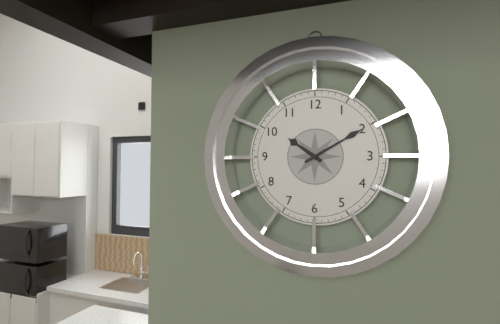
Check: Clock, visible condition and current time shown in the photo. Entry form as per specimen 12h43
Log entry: 10h10
